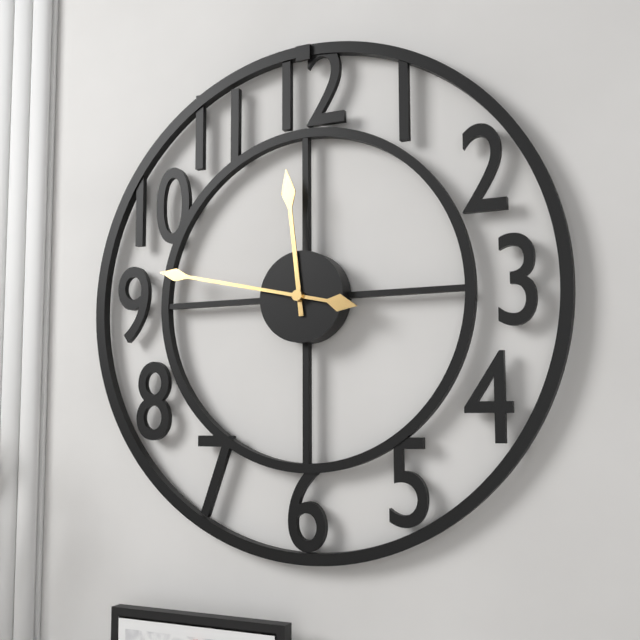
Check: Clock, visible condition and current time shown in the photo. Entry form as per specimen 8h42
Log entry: 11h47
